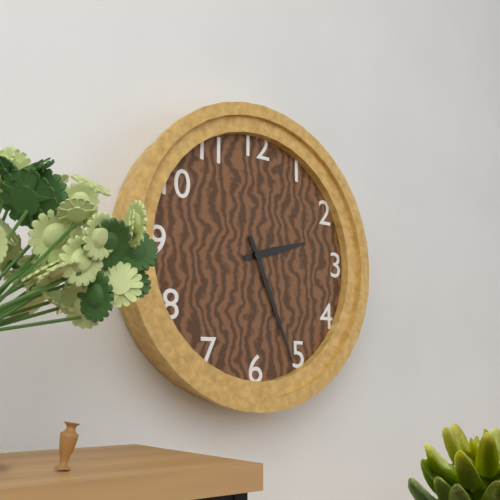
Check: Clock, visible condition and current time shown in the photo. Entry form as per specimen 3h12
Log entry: 2h26
